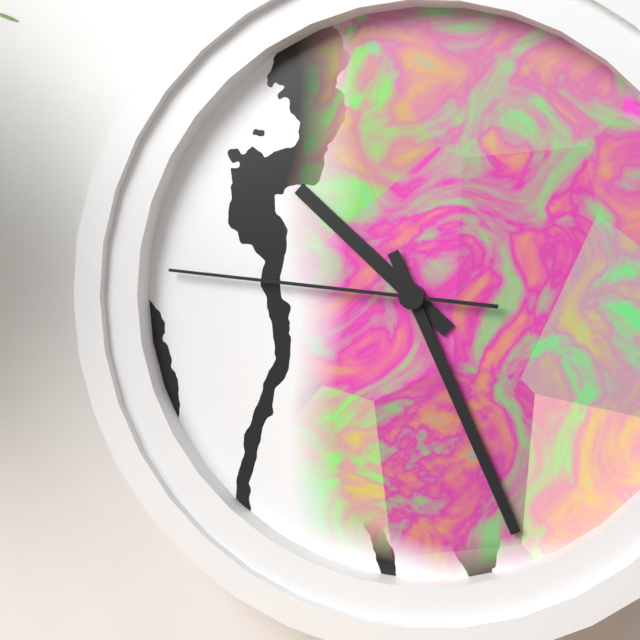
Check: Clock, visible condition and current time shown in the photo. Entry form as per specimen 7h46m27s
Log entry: 10h26m46s
